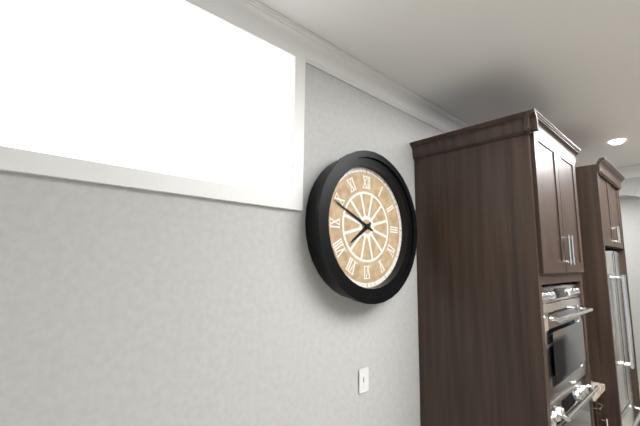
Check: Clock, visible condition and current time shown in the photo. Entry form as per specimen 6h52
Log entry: 7h49
